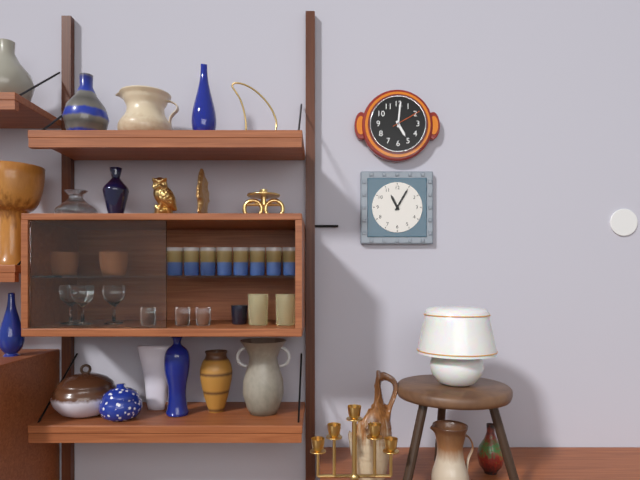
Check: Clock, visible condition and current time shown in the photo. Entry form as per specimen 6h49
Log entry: 5h01
